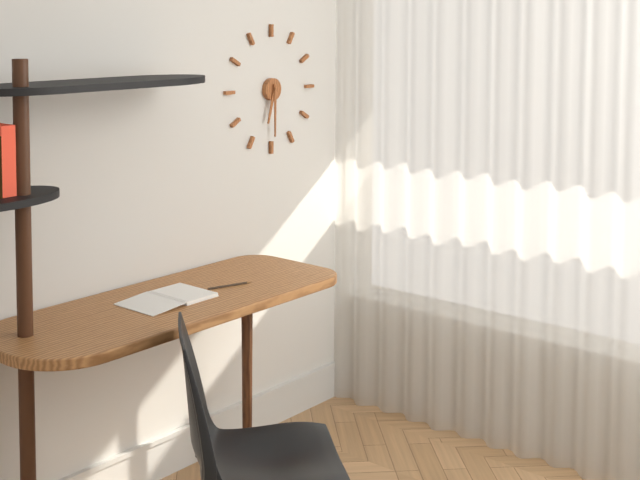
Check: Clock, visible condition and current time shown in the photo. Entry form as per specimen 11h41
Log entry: 6h30
